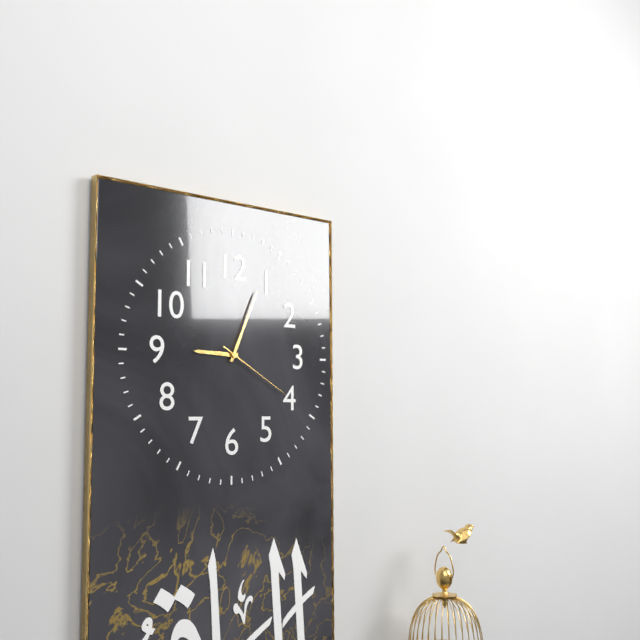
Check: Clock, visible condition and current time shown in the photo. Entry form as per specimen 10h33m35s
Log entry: 9h04m20s
